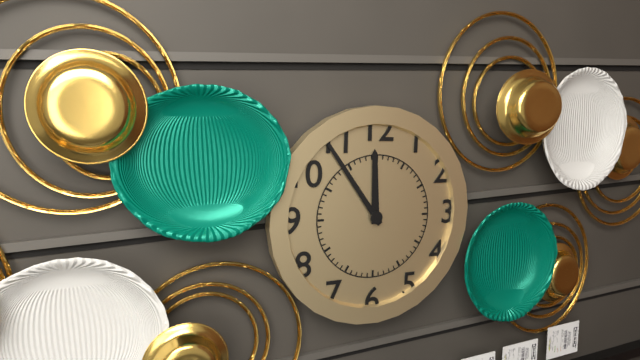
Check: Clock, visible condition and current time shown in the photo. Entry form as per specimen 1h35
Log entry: 11h54
